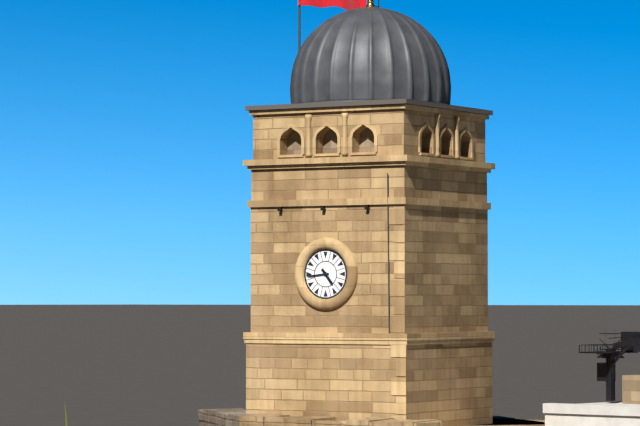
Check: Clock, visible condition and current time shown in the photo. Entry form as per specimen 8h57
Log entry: 4h44
